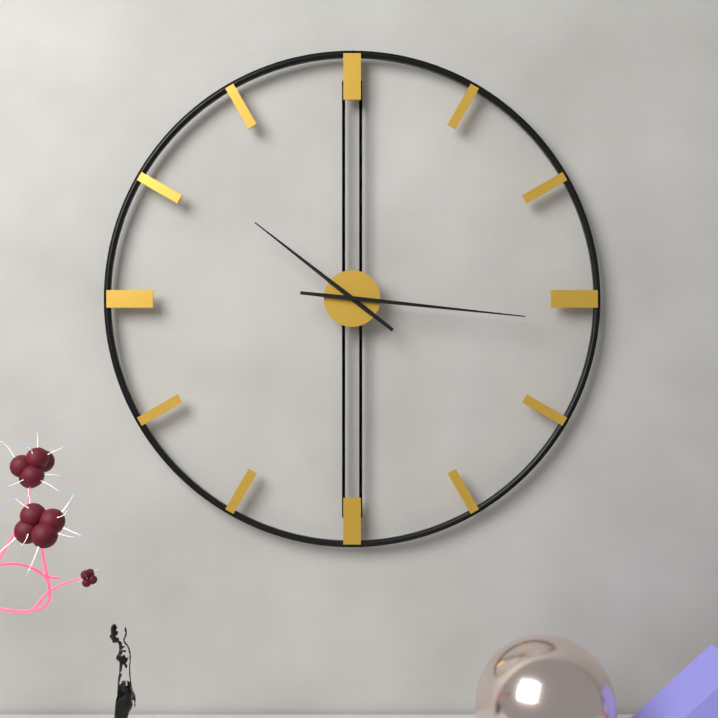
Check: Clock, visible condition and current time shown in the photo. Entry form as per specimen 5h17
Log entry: 10h16
